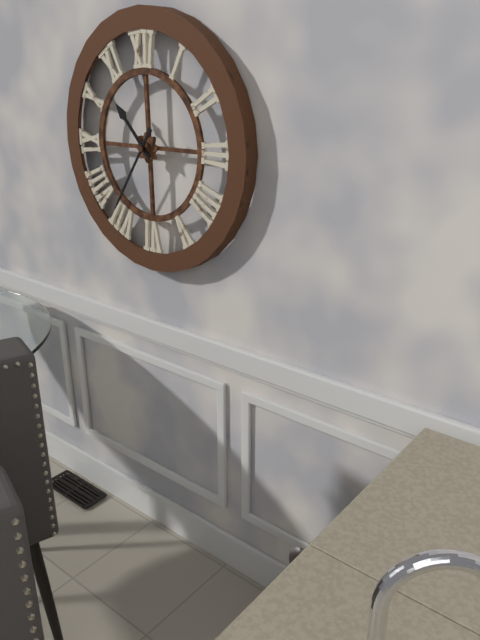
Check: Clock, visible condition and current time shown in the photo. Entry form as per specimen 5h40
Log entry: 10h36
